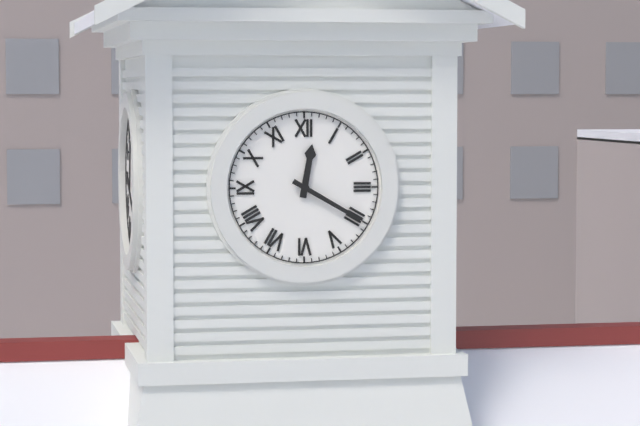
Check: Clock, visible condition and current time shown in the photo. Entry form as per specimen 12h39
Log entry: 12h20
